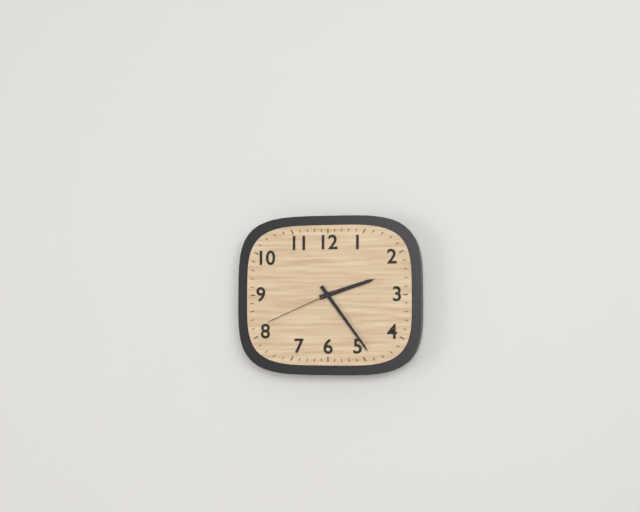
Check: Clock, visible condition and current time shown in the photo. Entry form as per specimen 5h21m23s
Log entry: 2h24m41s
